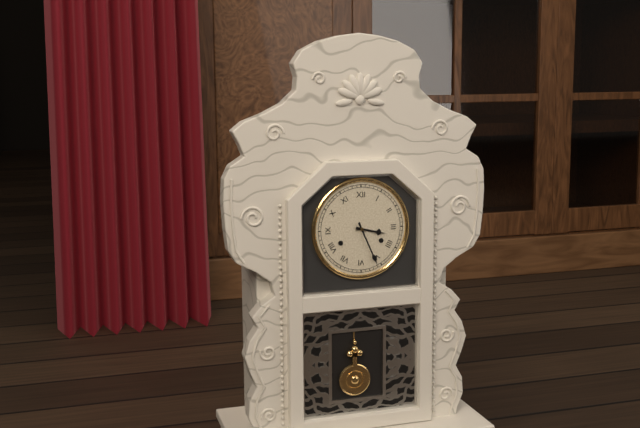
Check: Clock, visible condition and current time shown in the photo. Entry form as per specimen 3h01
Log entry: 3h26
